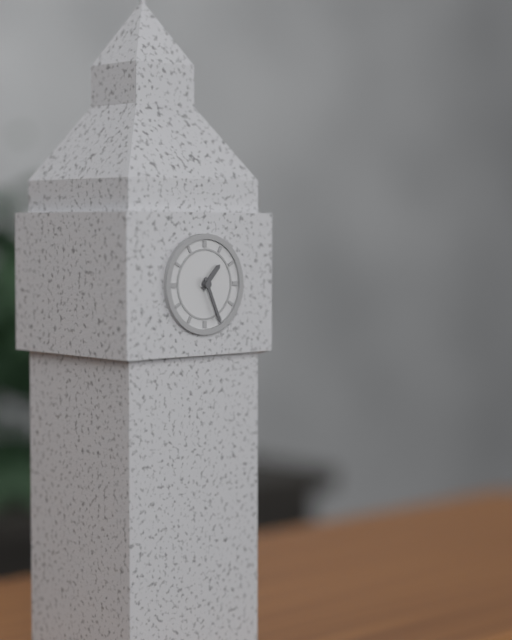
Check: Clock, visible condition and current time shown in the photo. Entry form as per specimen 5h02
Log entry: 1h26
